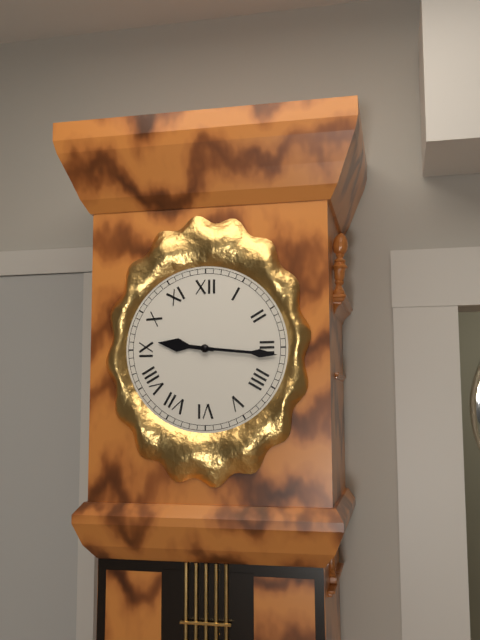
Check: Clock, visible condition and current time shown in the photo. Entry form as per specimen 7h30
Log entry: 9h16
